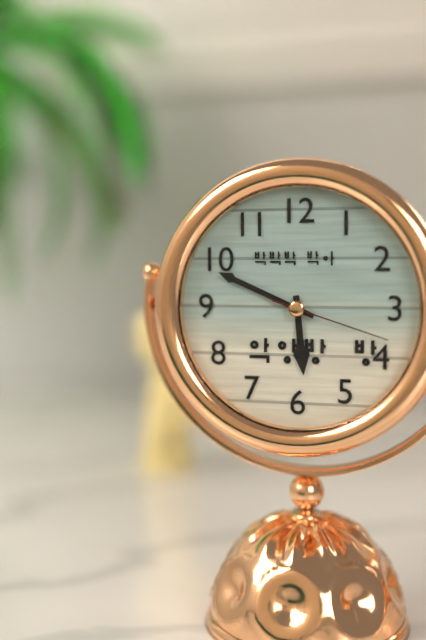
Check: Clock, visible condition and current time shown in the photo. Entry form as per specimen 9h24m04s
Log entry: 5h49m18s
